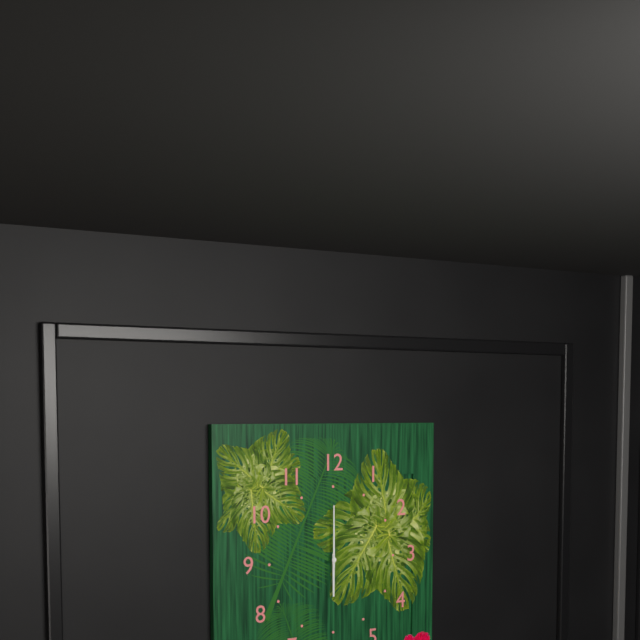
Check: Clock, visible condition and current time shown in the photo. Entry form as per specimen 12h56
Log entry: 6h00
